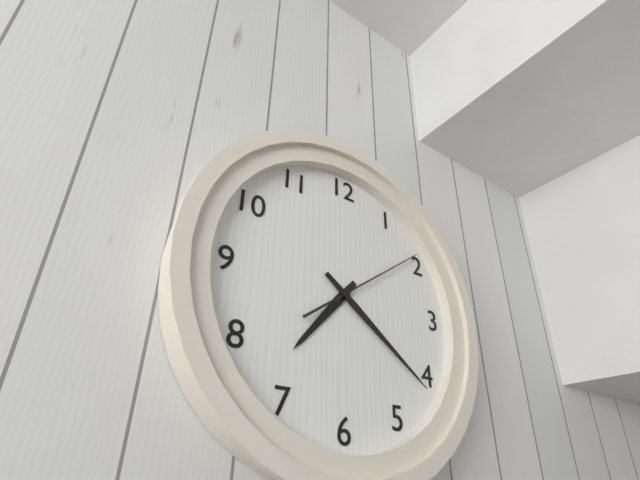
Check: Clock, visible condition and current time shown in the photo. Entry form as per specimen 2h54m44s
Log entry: 7h21m09s
